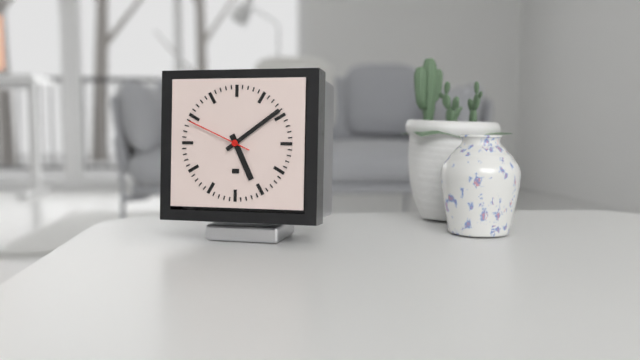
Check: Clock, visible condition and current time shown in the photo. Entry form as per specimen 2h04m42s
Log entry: 5h09m49s
